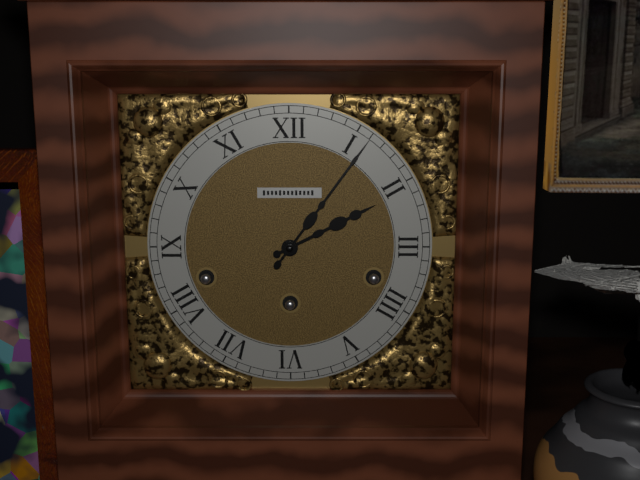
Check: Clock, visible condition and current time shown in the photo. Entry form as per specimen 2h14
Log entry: 2h06
